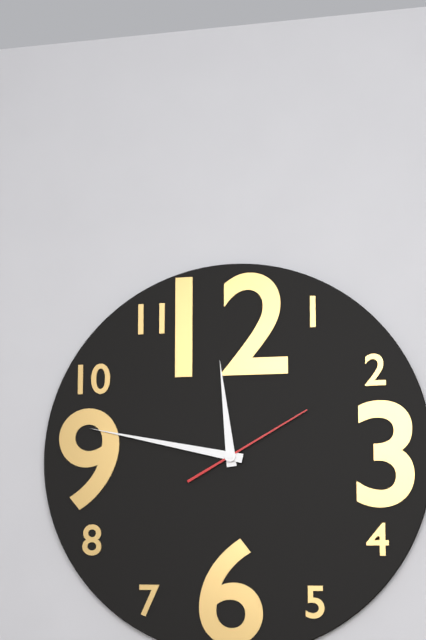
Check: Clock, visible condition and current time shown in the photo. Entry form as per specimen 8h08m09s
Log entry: 11h47m10s
